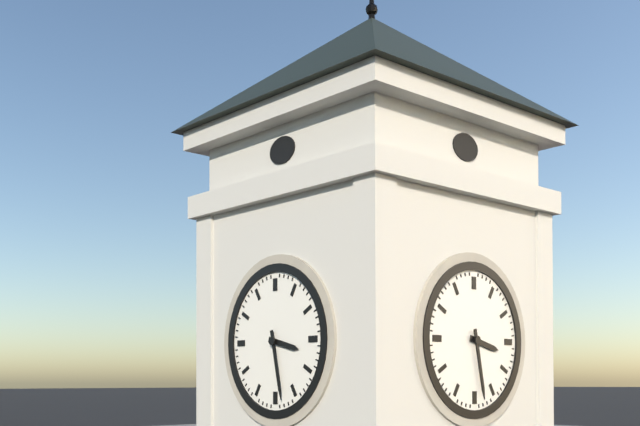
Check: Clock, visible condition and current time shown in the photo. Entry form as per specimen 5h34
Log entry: 3h28
